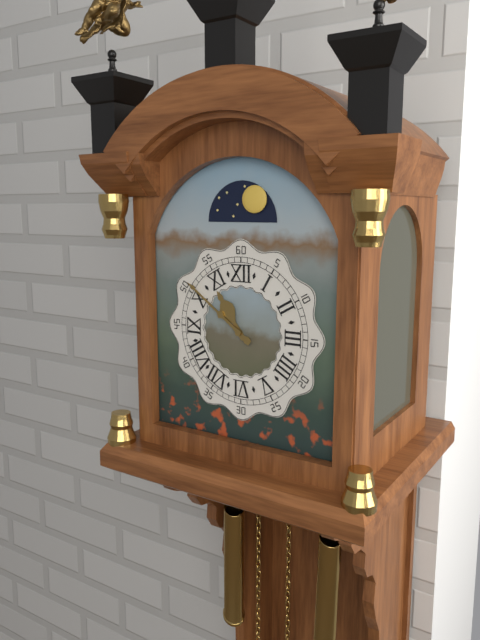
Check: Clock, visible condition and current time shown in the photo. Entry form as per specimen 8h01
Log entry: 10h51
